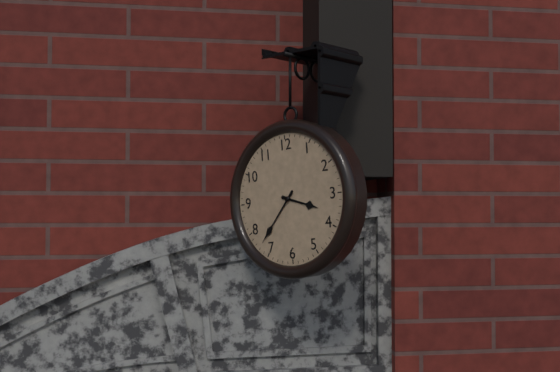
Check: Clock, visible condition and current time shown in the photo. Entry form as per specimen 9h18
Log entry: 3h37
